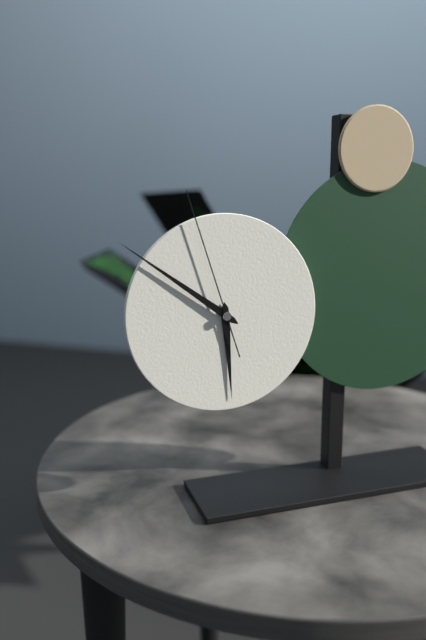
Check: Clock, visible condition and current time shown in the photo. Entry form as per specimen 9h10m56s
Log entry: 5h51m57s
